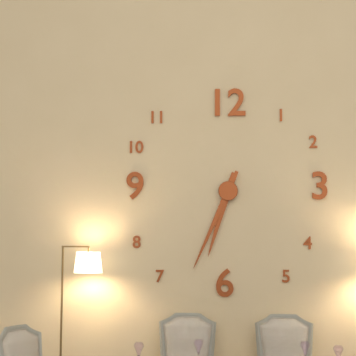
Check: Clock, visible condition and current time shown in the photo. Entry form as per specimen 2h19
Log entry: 6h34
